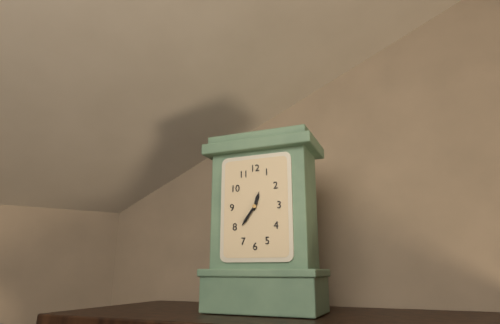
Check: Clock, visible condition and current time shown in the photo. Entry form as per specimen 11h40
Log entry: 12h36
